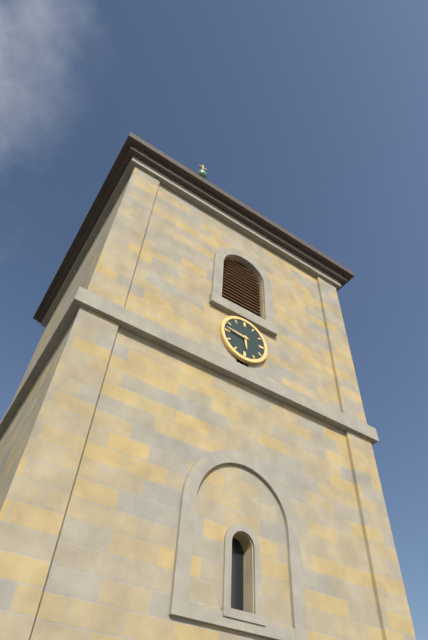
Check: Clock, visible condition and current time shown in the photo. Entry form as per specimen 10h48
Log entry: 5h46
